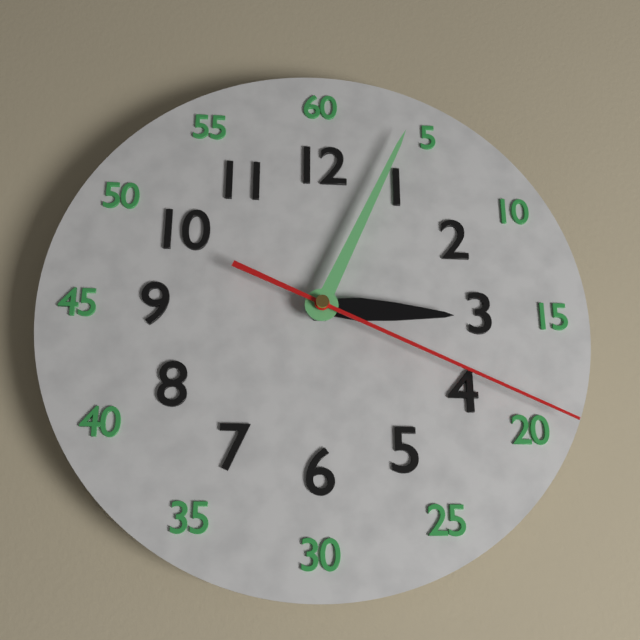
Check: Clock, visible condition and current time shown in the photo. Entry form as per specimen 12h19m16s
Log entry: 3h04m19s
